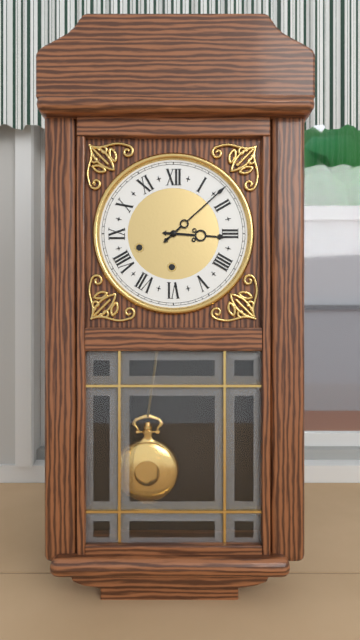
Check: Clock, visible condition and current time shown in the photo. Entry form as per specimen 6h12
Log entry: 3h08
